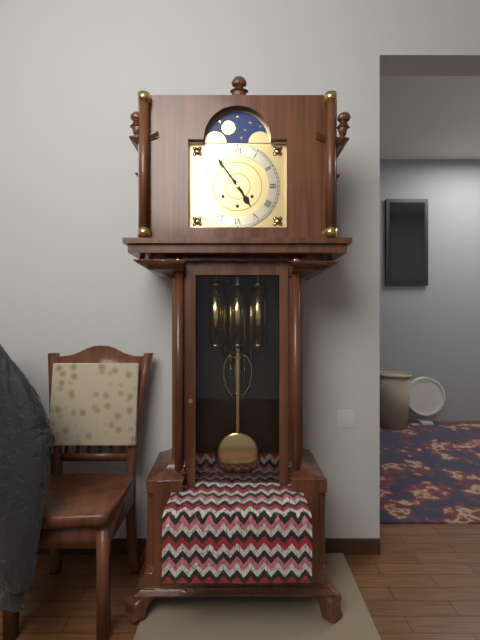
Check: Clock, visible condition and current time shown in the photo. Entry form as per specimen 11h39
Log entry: 4h54
